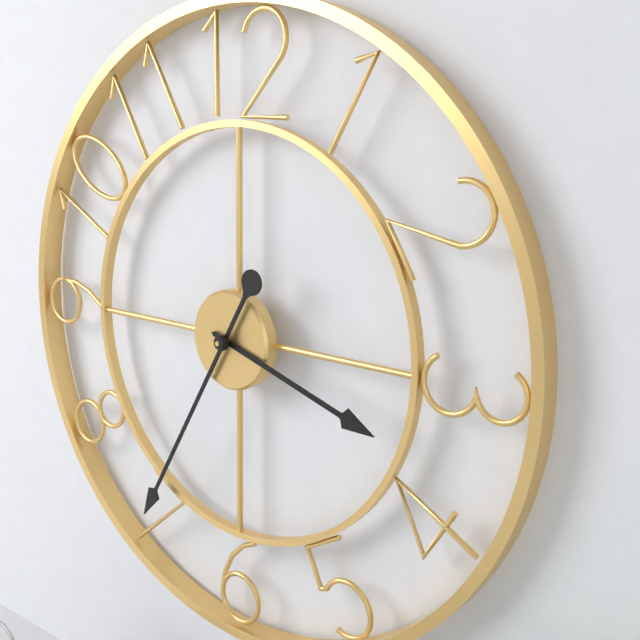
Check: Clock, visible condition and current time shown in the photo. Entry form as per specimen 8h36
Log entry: 3h35
